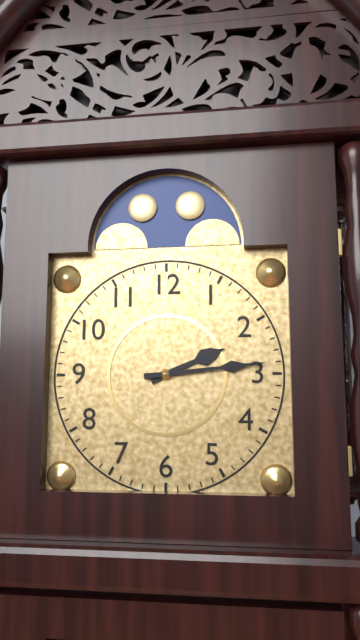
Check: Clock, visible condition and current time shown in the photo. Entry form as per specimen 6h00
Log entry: 2h14
